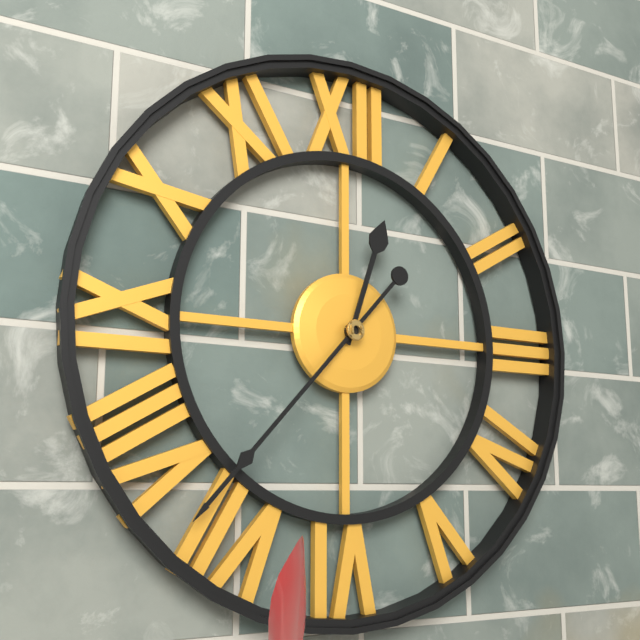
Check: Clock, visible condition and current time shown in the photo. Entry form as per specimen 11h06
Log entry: 12h37
